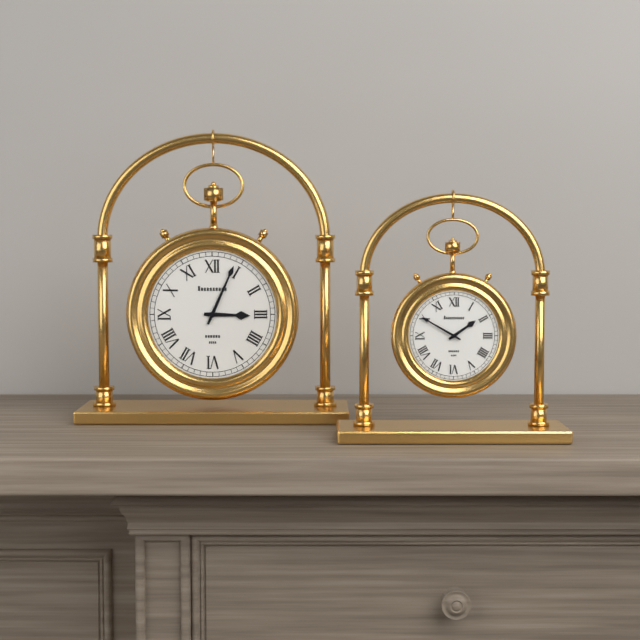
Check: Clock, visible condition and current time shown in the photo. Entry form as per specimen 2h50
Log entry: 3h04
